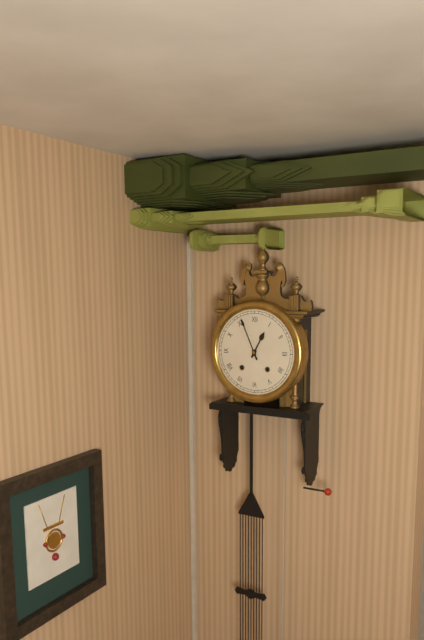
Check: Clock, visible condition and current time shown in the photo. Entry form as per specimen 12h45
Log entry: 12h56
